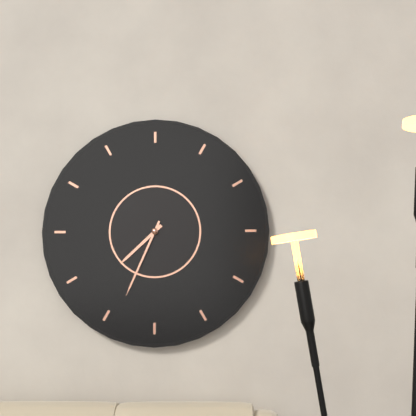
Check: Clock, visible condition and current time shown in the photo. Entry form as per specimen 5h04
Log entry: 7h34
